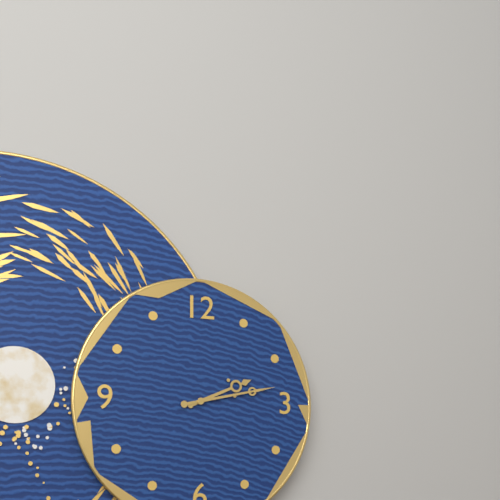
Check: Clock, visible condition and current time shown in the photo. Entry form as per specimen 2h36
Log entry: 2h13
